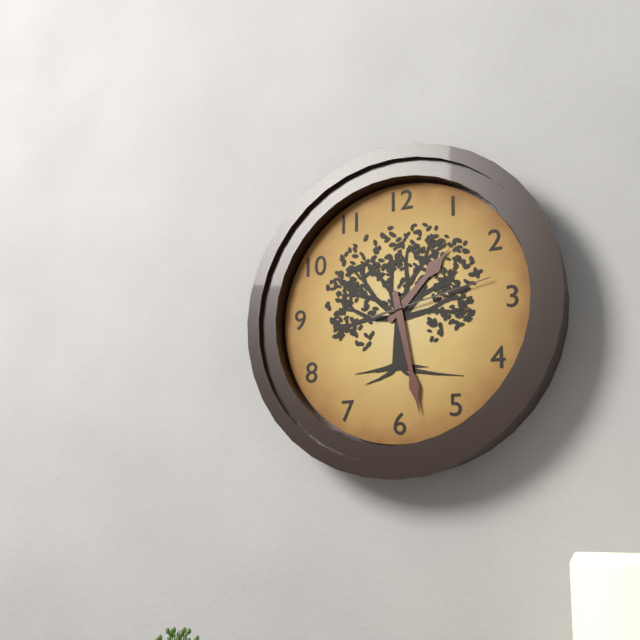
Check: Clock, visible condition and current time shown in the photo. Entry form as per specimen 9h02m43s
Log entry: 1h28m13s
